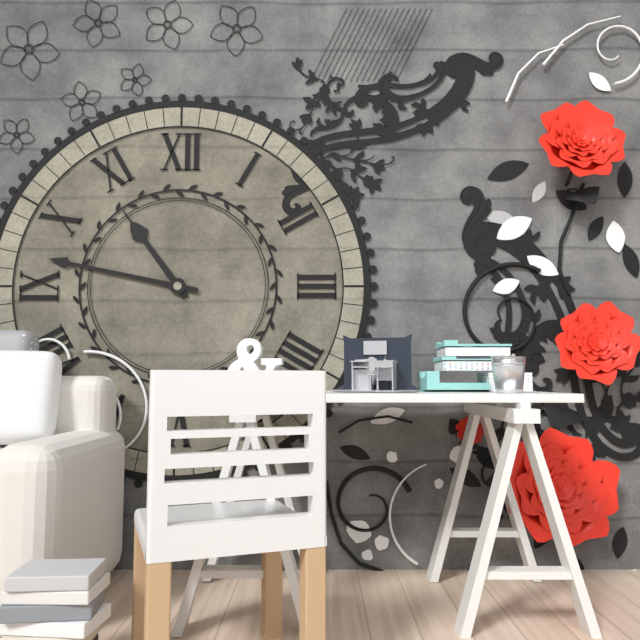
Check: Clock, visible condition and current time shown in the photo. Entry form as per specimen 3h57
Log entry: 10h47
